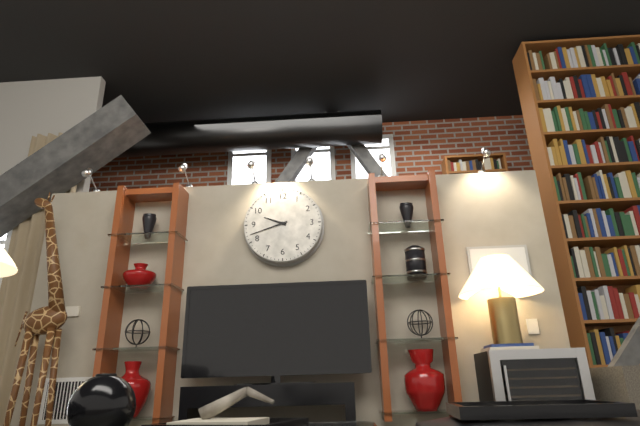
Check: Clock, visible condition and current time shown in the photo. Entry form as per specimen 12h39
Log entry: 9h42
